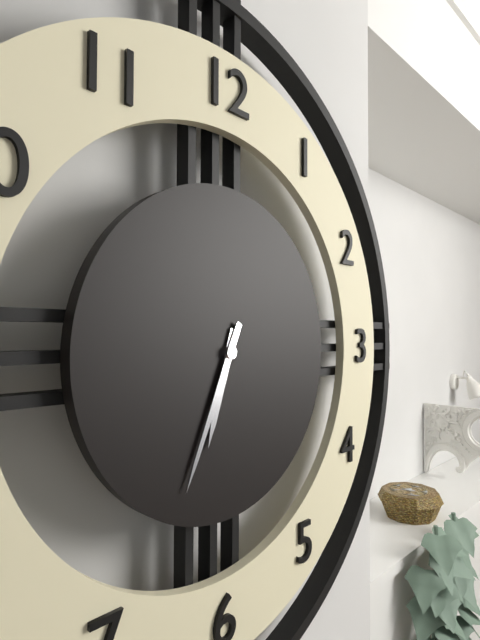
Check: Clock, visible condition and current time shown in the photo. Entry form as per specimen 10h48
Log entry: 6h34
